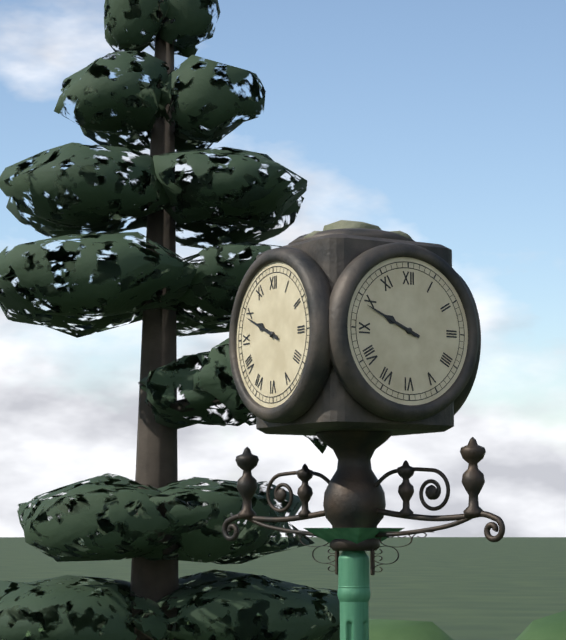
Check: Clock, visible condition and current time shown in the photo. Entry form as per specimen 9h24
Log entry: 9h49
